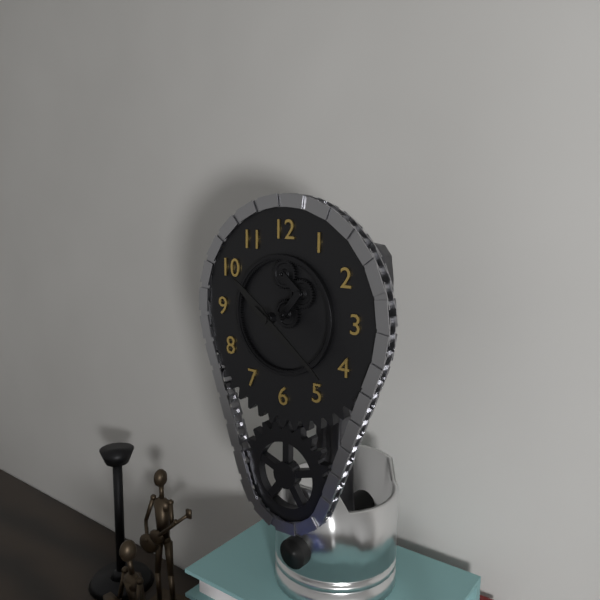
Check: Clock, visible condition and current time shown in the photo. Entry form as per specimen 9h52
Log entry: 10h21
